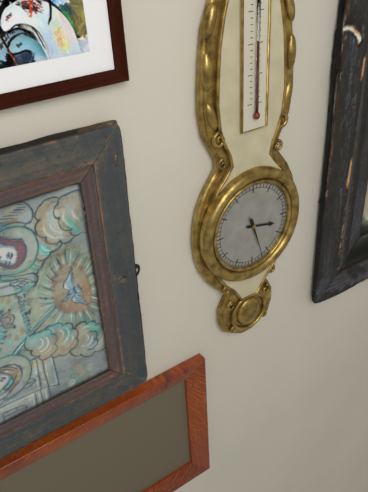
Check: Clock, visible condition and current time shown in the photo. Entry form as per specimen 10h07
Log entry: 3h27
